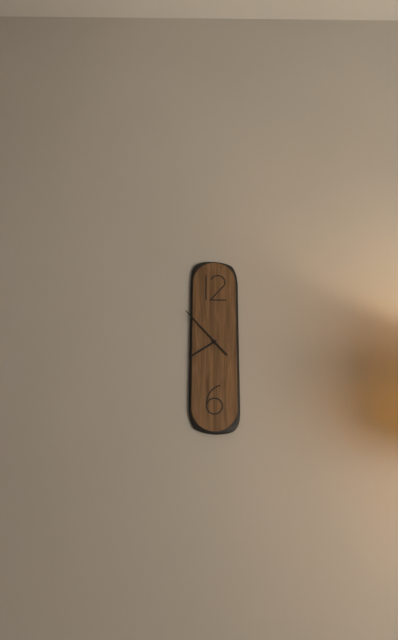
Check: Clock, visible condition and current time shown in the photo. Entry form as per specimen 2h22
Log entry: 7h53
